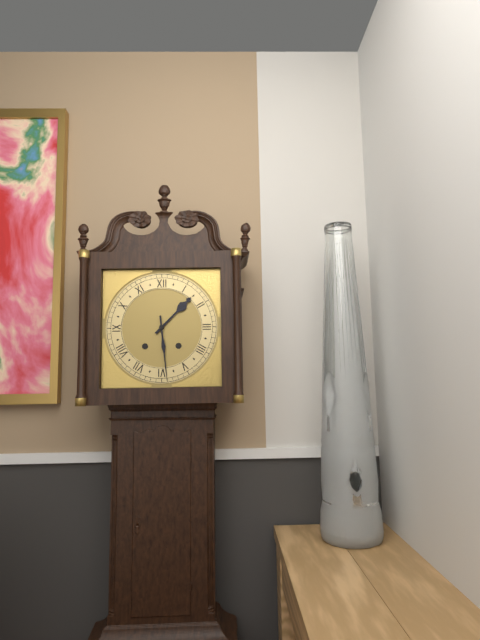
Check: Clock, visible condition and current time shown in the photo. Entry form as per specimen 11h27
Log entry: 1h29
